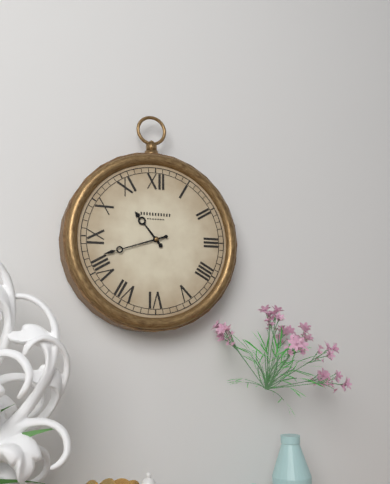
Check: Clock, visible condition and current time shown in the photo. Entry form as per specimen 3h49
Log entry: 10h42
